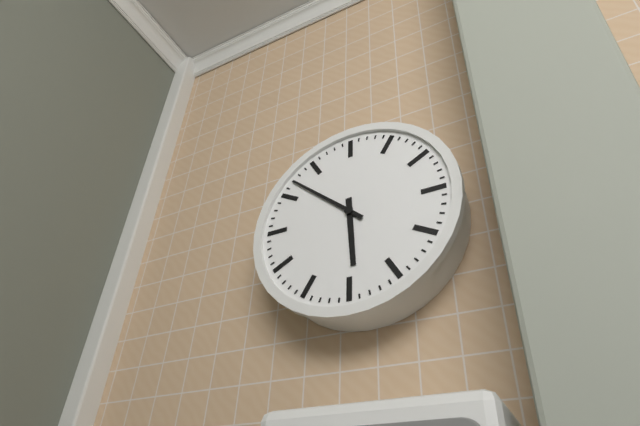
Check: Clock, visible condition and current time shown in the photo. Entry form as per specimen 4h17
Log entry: 5h52
